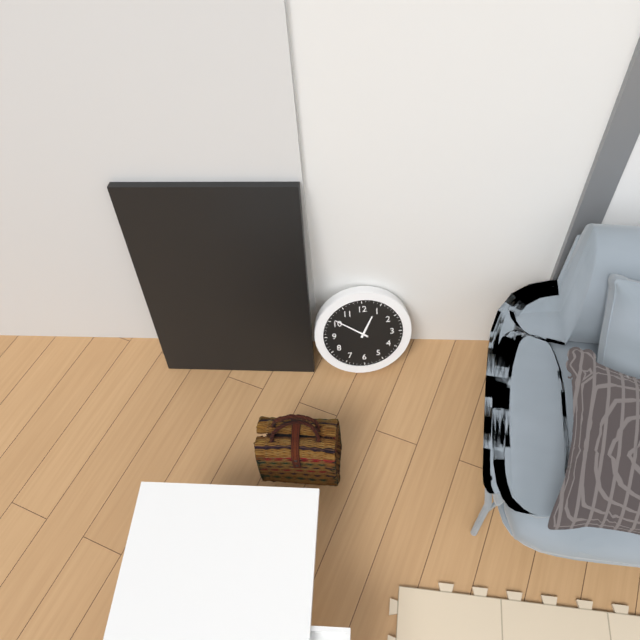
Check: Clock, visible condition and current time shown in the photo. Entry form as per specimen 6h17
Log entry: 12h51
